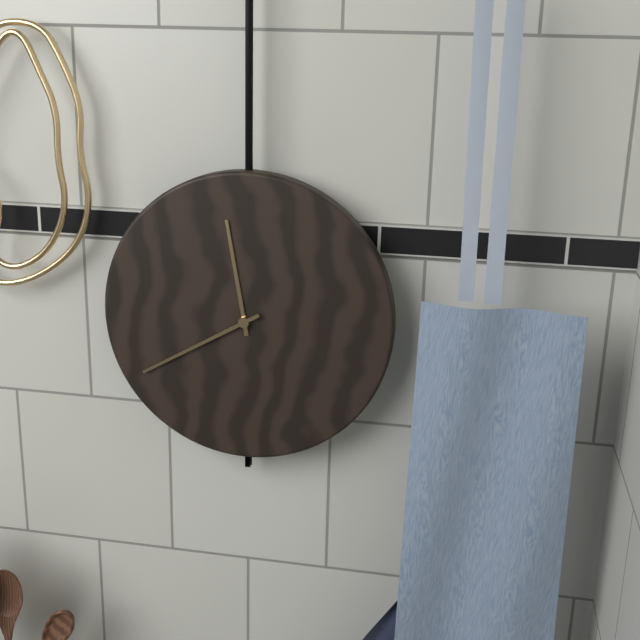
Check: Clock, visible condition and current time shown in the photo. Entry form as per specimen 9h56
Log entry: 11h40
